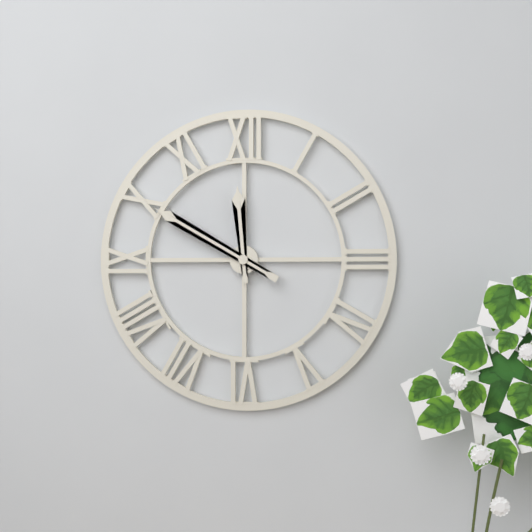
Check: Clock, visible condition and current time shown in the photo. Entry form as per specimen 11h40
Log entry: 11h50
